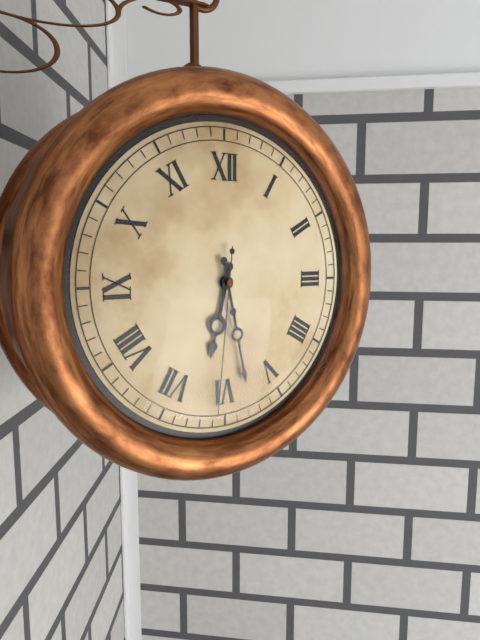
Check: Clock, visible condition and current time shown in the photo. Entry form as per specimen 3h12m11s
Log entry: 6h28m31s
